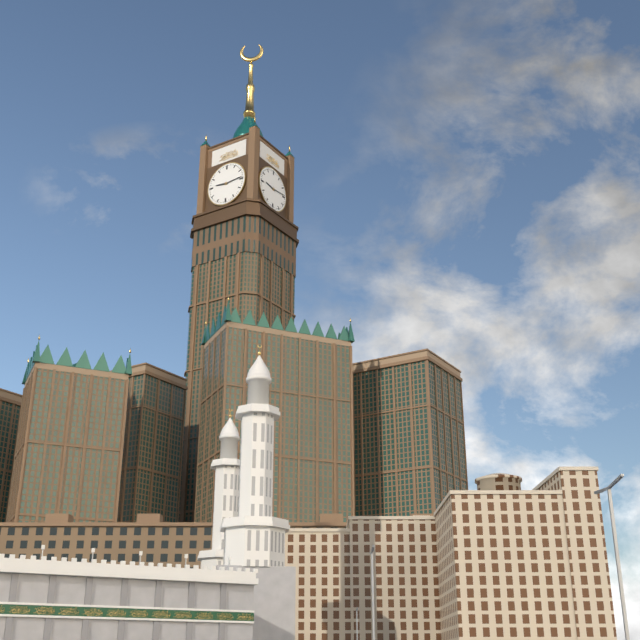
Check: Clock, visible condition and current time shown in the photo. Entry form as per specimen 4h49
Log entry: 9h14
